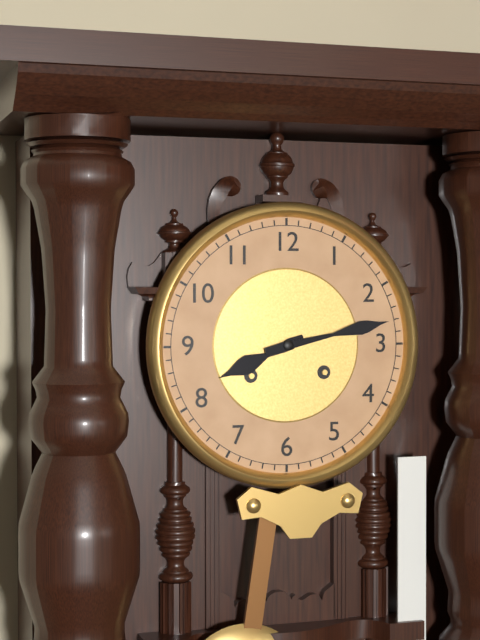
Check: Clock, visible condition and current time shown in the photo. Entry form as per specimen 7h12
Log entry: 8h13
